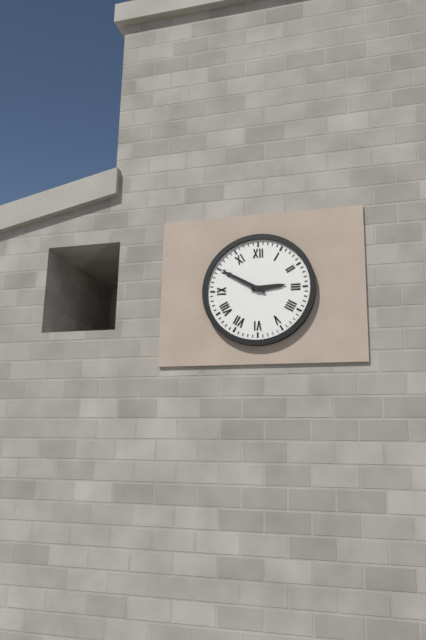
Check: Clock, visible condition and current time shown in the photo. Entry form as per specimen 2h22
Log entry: 2h50
